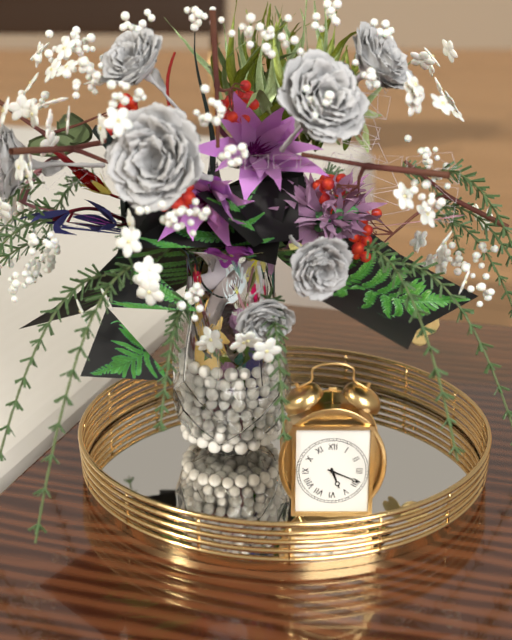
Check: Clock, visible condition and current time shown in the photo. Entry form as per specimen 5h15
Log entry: 5h19
